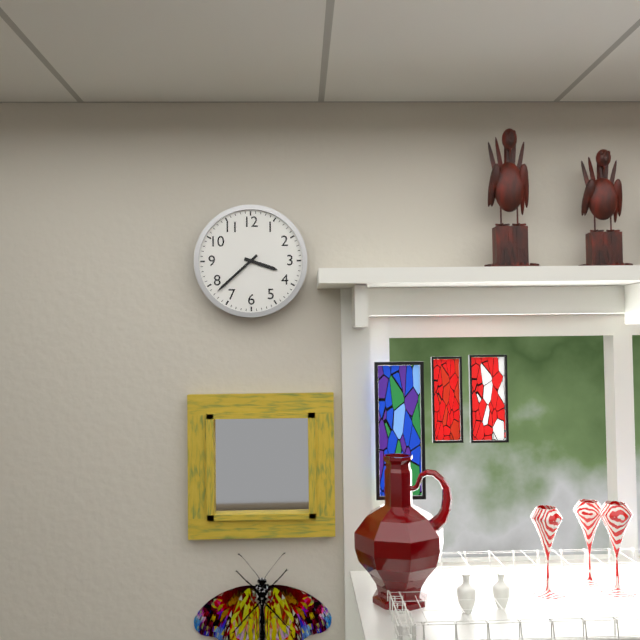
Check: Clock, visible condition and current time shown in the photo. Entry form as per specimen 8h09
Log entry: 3h38
